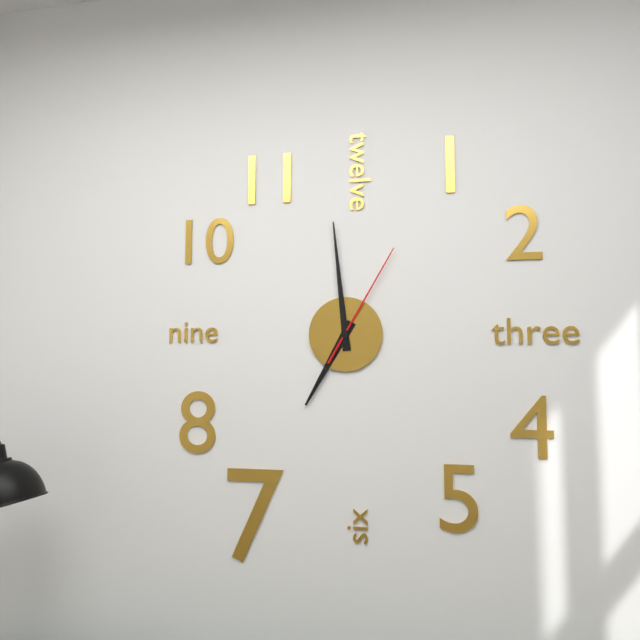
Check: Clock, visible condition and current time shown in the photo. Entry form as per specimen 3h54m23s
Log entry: 6h59m05s
